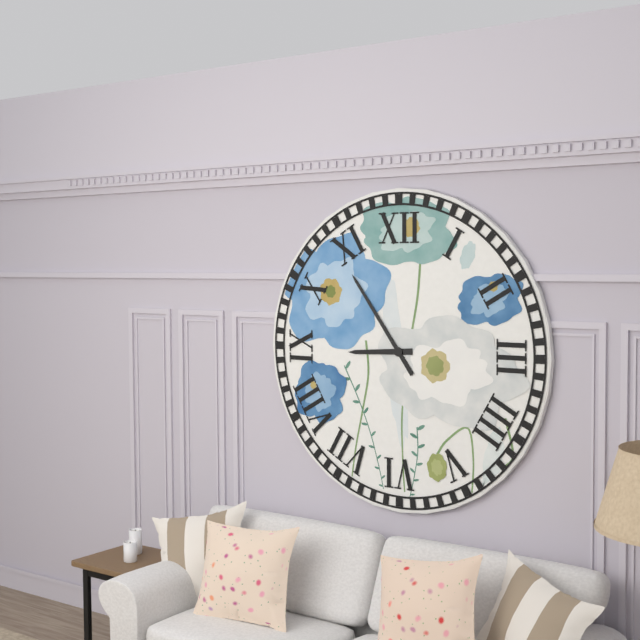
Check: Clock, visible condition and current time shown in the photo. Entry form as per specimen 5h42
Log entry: 8h54
